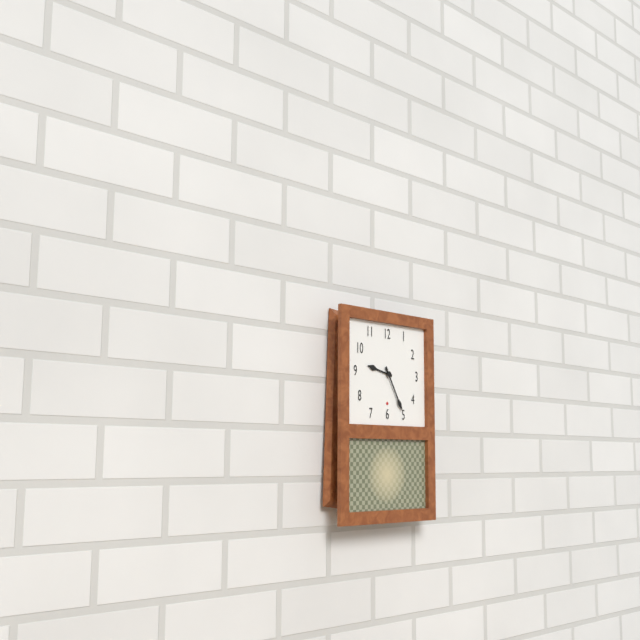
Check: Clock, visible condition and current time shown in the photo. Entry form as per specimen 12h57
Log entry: 9h25
